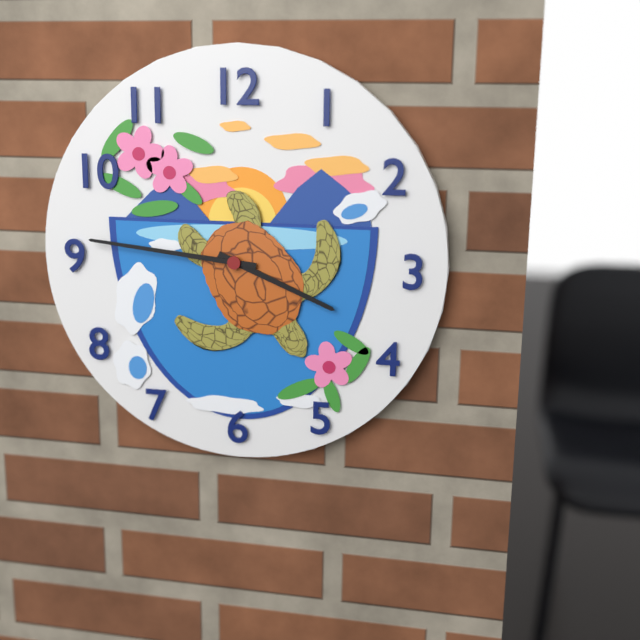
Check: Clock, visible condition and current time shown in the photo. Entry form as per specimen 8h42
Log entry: 3h46
